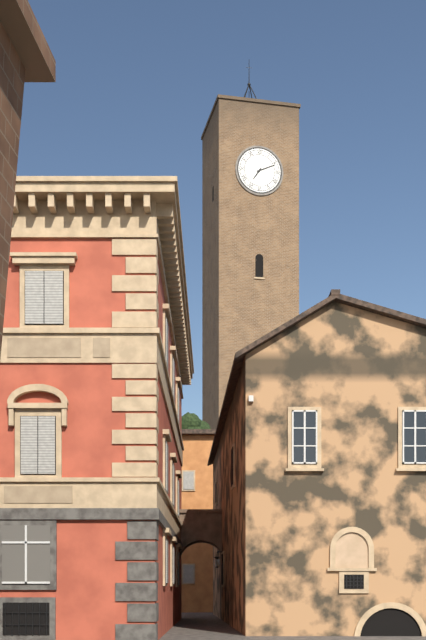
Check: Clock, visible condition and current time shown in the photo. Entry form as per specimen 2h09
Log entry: 7h11
